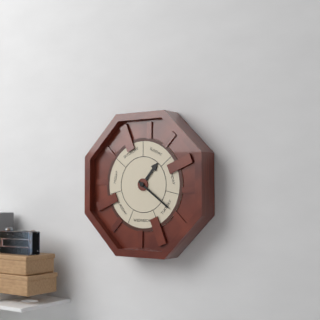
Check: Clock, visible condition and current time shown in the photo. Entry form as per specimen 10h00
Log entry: 1h21
